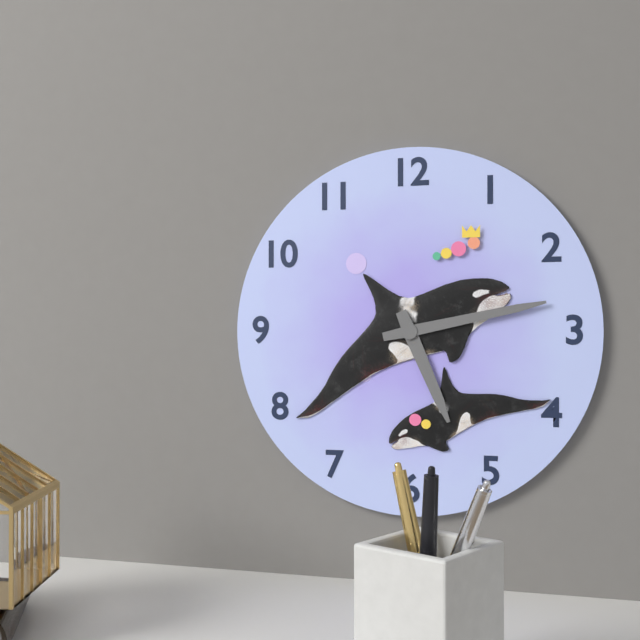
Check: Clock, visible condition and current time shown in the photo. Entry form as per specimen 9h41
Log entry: 5h13
